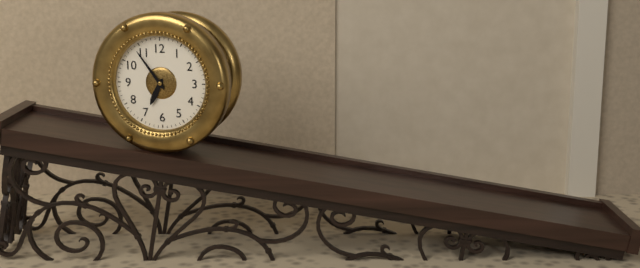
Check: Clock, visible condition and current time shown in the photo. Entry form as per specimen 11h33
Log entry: 6h54
